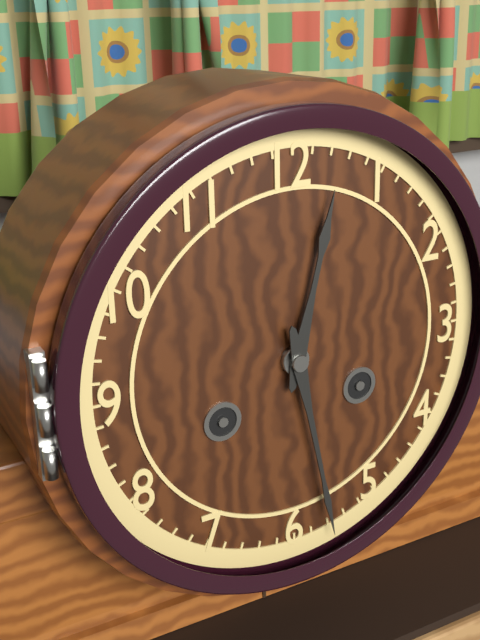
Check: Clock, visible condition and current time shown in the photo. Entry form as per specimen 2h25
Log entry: 12h28
